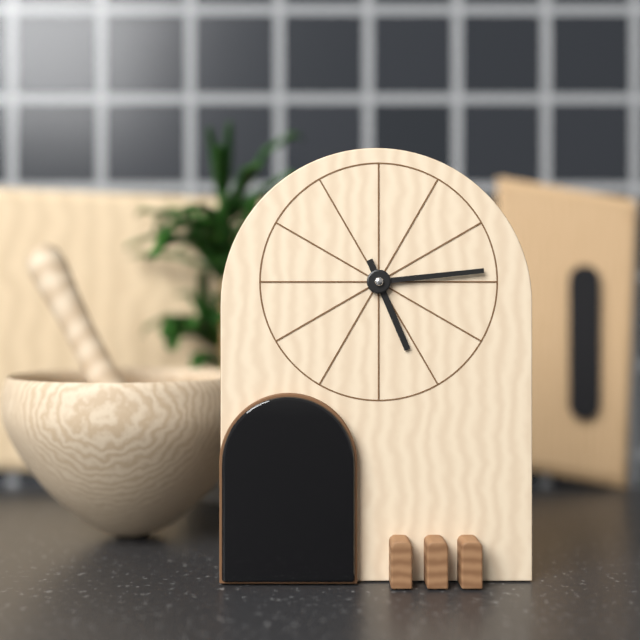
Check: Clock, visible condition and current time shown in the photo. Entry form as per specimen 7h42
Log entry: 5h14
